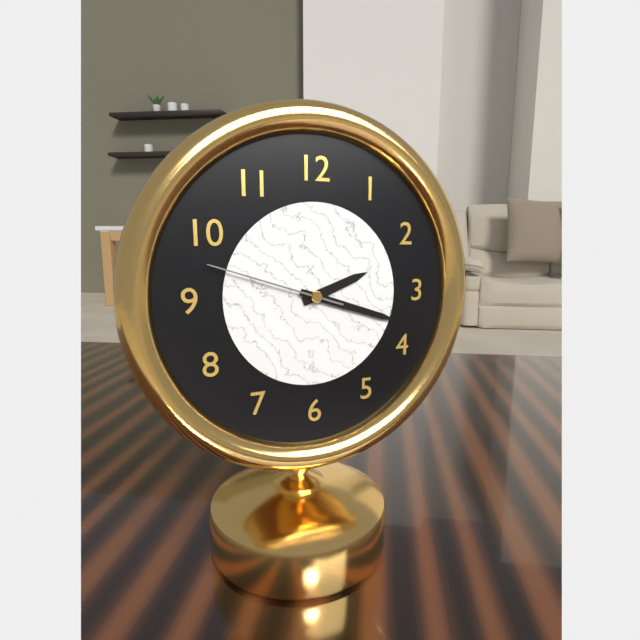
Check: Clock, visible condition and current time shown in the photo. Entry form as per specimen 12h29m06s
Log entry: 2h18m48s
